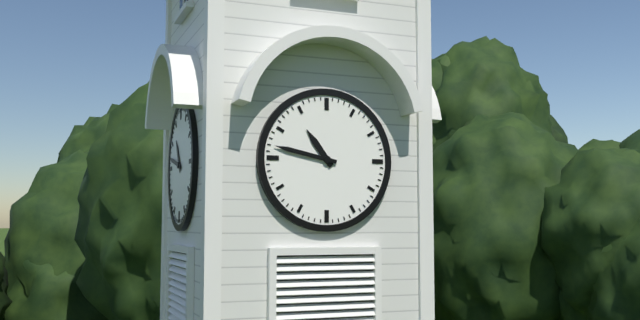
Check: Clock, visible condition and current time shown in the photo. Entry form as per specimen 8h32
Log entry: 10h47
